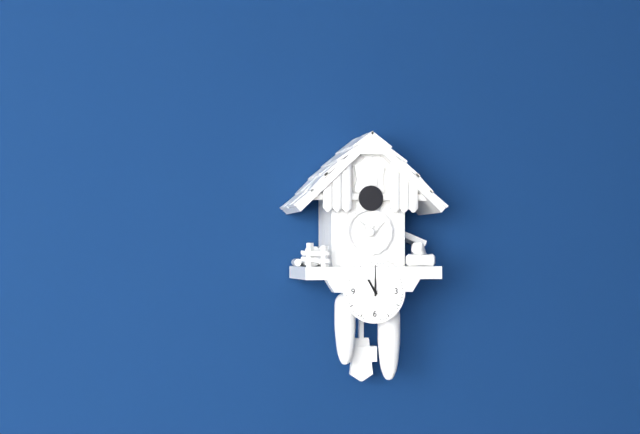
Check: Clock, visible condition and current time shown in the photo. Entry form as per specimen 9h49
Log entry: 11h00
